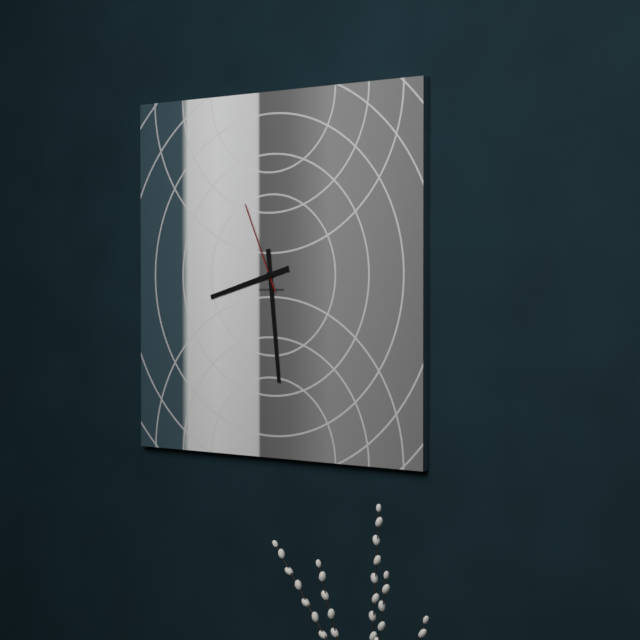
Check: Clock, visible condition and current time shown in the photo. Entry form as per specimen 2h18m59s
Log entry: 8h29m56s
